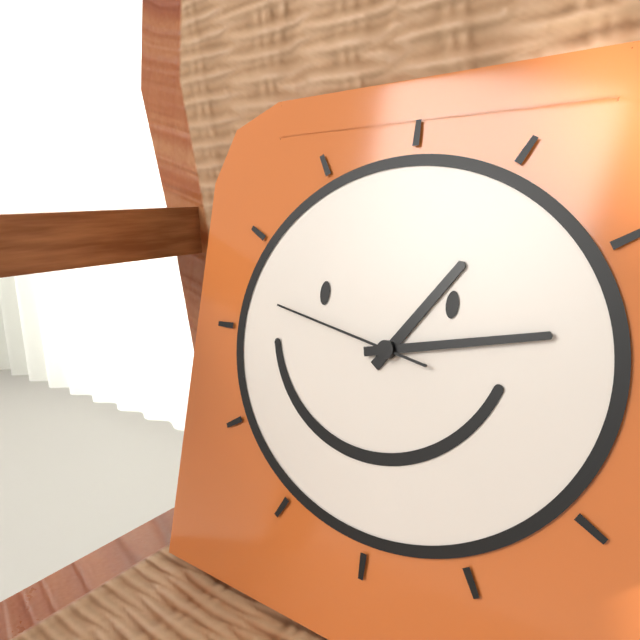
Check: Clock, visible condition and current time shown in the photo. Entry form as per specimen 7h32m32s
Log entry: 1h13m47s
